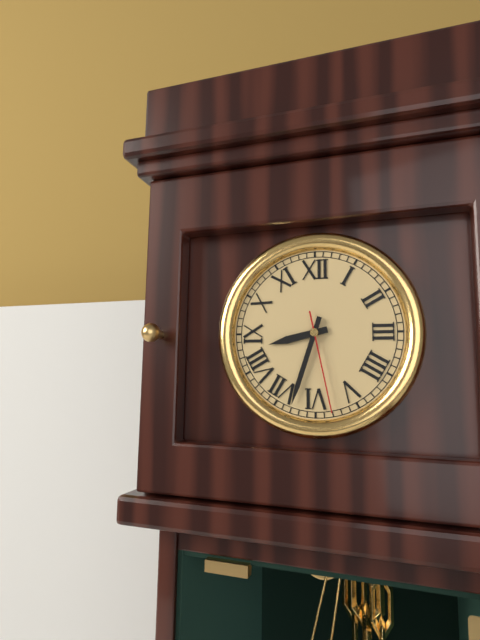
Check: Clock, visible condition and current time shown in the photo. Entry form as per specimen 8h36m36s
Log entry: 8h33m28s
